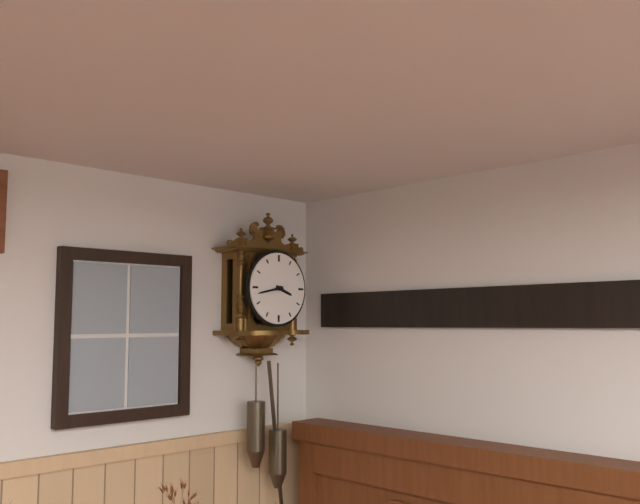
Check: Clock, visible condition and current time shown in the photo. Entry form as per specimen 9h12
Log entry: 3h43
